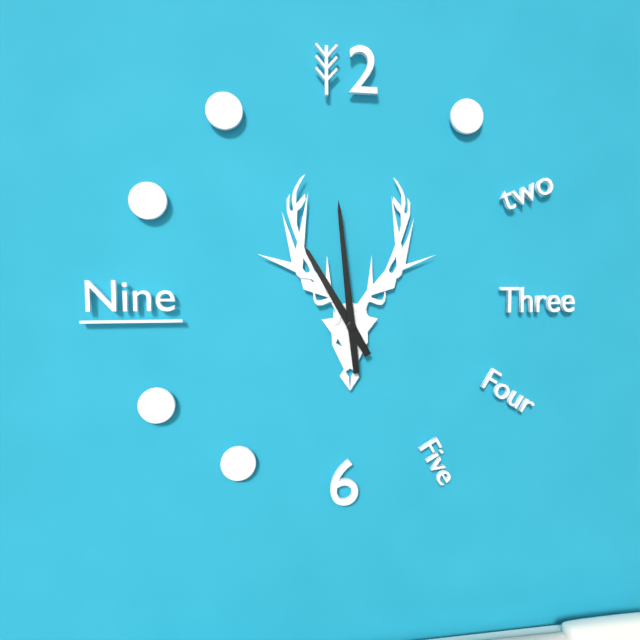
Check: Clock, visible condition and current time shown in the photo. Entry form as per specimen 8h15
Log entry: 10h59
